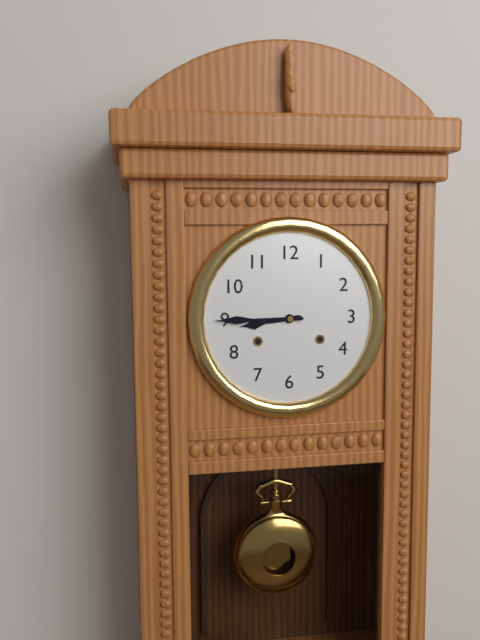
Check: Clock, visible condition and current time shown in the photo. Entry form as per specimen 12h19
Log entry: 8h45
